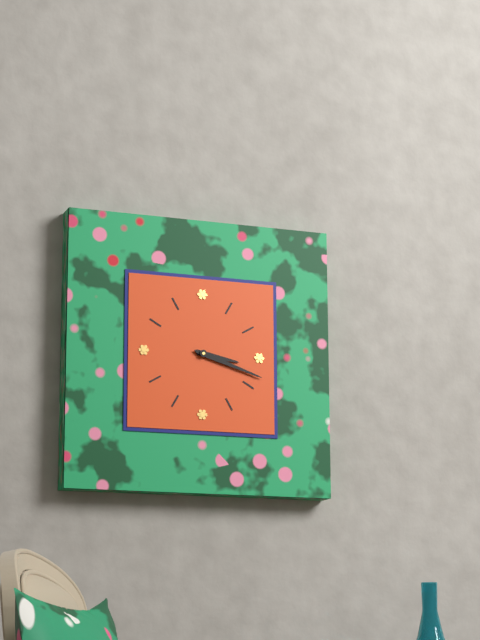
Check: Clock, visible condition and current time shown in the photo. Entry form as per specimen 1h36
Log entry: 3h18
